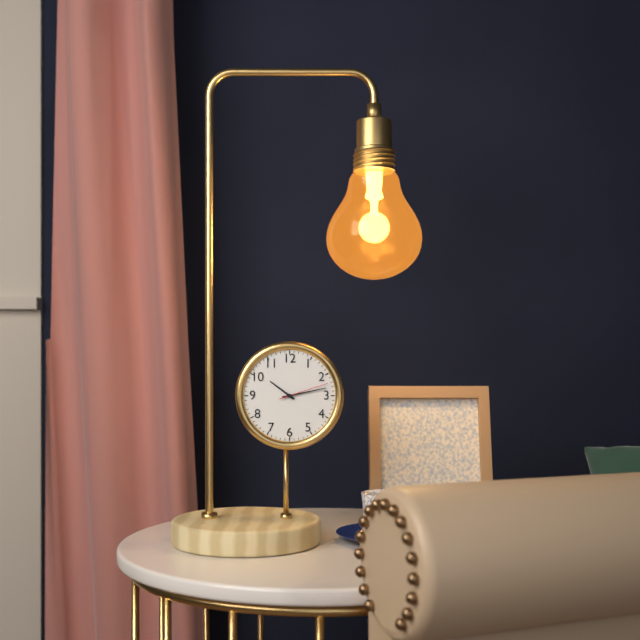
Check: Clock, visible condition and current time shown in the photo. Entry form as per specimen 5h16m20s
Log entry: 10h13m12s
